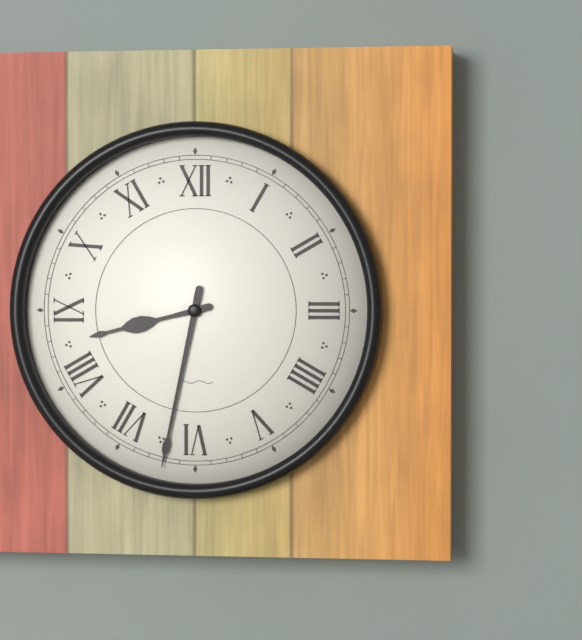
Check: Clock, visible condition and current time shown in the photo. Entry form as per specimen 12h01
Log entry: 8h32
